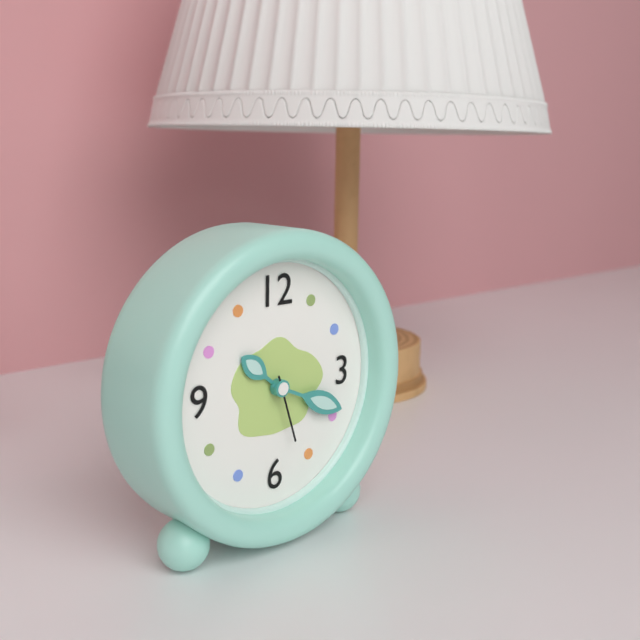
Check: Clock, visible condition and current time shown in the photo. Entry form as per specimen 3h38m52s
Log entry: 10h19m27s
